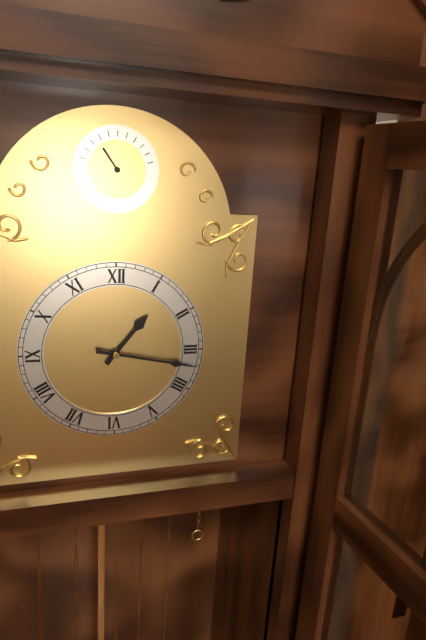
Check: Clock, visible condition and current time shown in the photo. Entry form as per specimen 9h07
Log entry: 1h17
